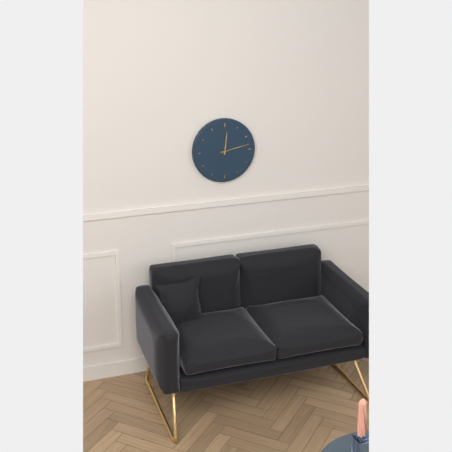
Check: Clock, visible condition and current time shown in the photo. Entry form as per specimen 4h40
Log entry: 12h13
